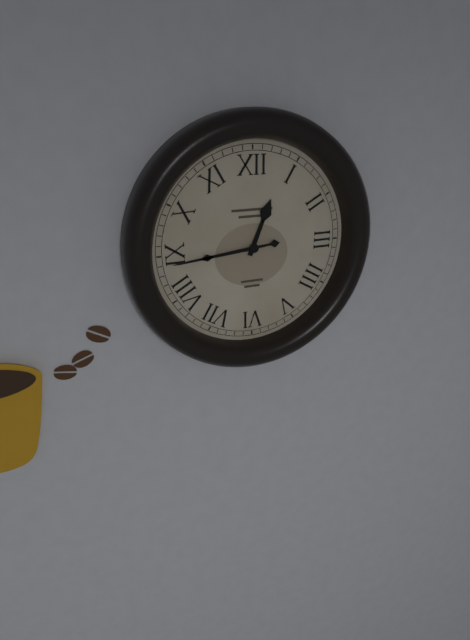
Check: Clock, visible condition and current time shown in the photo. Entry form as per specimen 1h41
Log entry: 12h44
